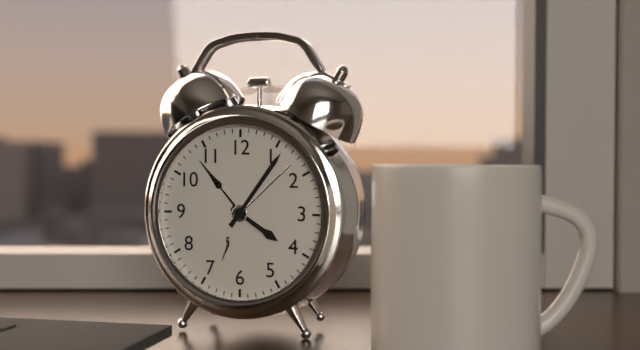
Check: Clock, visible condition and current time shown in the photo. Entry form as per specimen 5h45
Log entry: 4h06
